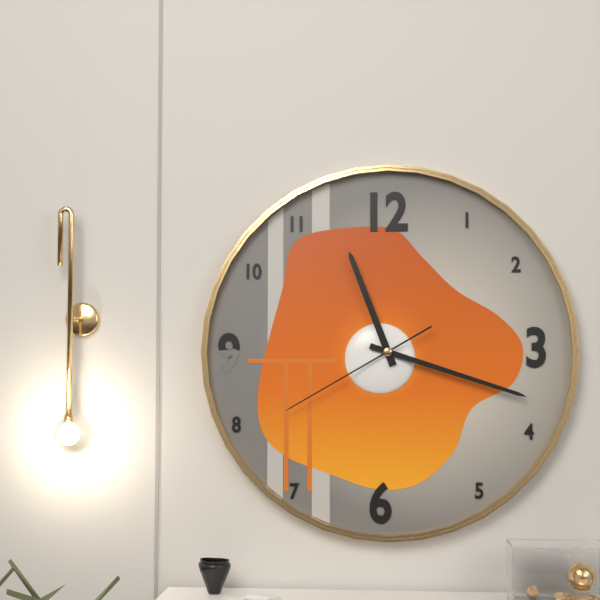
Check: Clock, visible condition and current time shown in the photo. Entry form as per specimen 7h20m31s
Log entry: 11h18m40s
